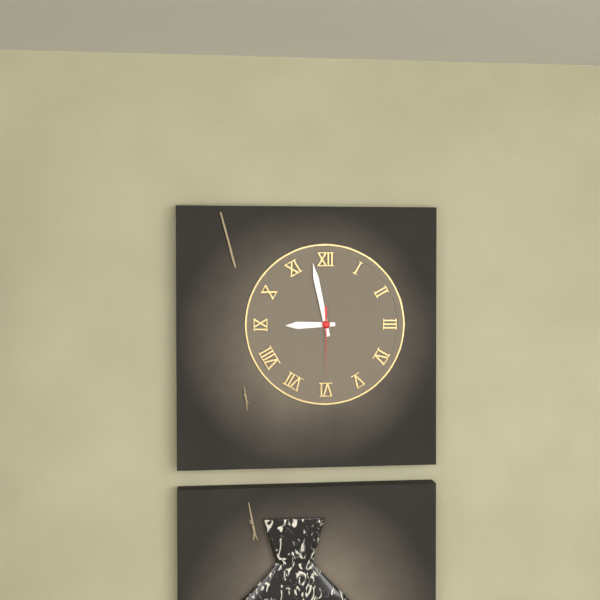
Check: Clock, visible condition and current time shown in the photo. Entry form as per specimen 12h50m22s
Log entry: 8h58m30s
